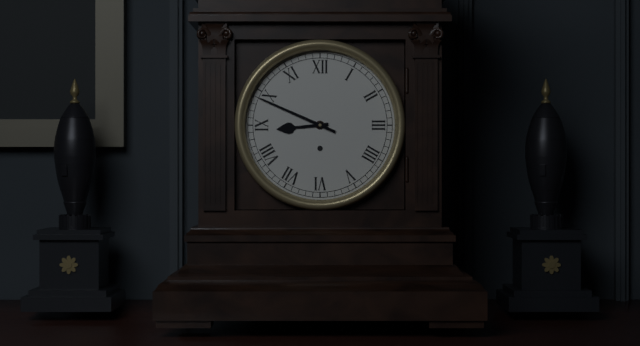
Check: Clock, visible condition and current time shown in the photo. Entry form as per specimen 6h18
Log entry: 8h49
